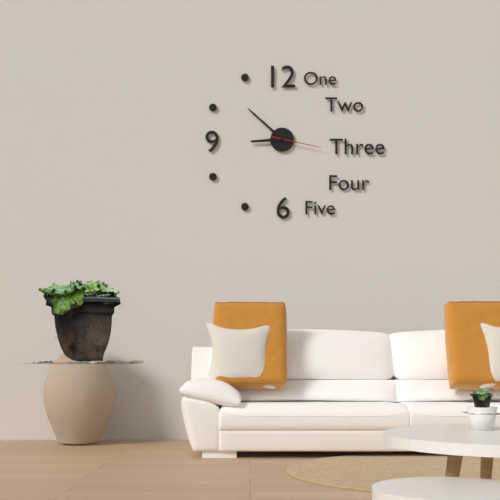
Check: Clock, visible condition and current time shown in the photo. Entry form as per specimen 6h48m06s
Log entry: 8h52m17s
